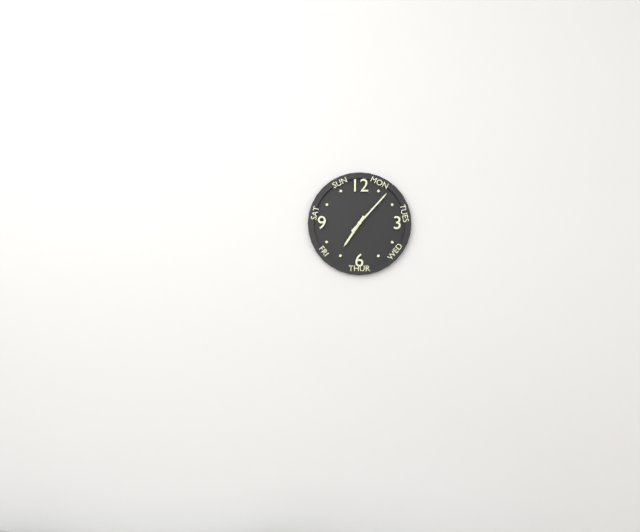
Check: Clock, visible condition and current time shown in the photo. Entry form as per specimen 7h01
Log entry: 7h07
